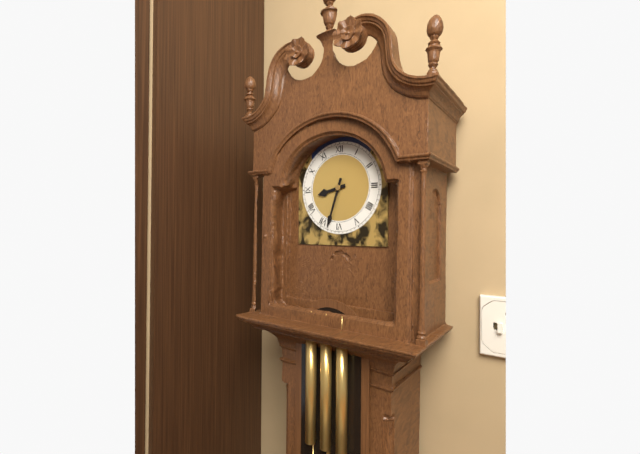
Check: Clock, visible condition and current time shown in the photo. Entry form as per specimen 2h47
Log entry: 8h33
